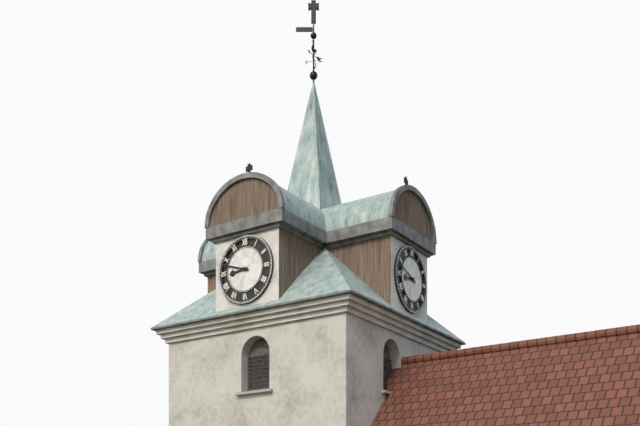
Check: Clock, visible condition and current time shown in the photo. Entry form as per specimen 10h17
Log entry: 8h48
